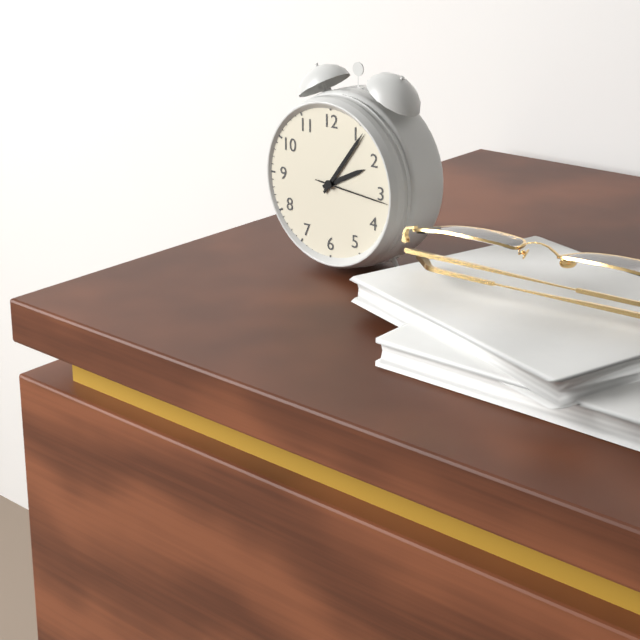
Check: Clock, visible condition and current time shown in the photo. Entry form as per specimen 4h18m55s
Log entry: 2h06m16s
